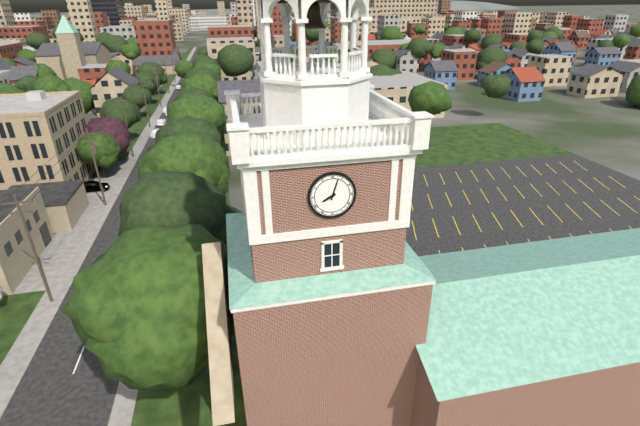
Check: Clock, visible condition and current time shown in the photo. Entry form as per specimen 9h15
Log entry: 8h03
